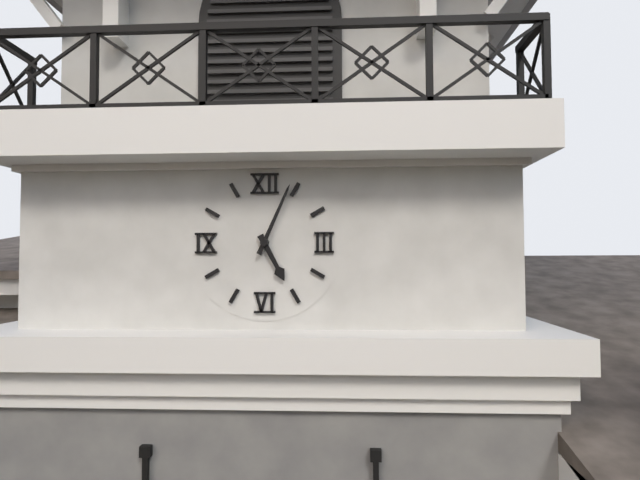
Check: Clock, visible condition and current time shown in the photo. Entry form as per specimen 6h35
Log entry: 5h04
